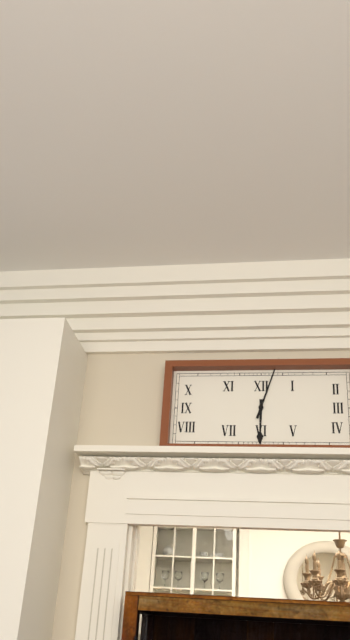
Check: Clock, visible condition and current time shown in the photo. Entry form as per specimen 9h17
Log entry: 6h03
